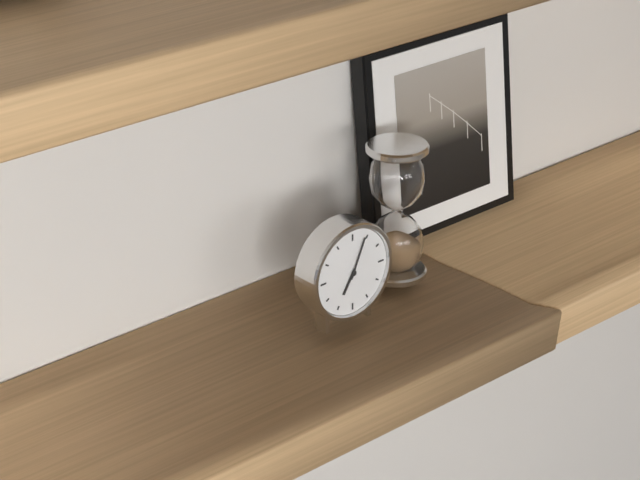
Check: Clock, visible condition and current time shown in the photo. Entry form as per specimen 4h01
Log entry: 7h04
